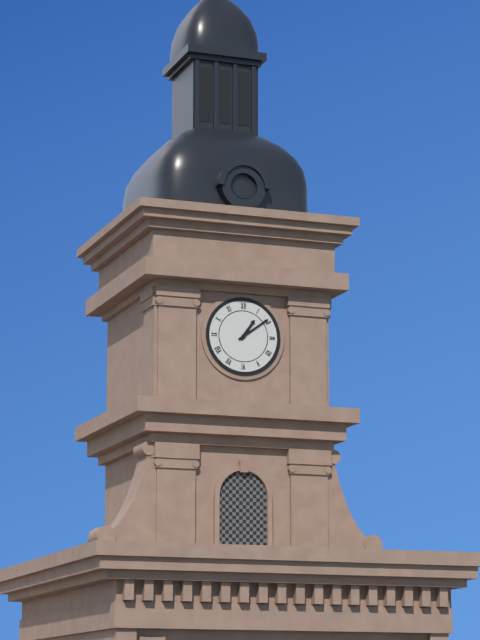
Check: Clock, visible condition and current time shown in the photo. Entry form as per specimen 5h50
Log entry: 1h09
